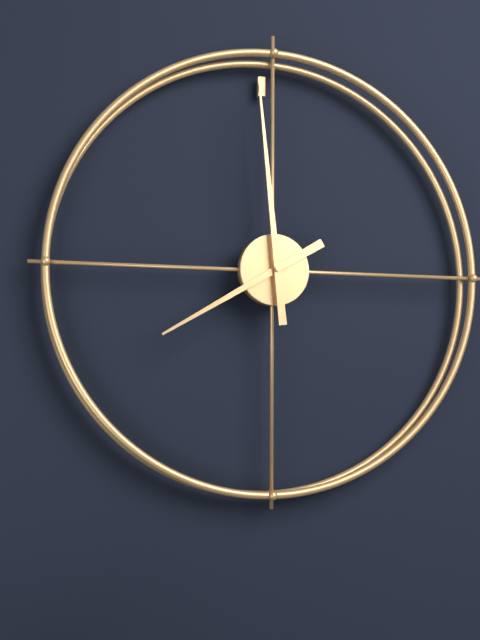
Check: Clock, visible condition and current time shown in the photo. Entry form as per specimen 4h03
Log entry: 7h59
